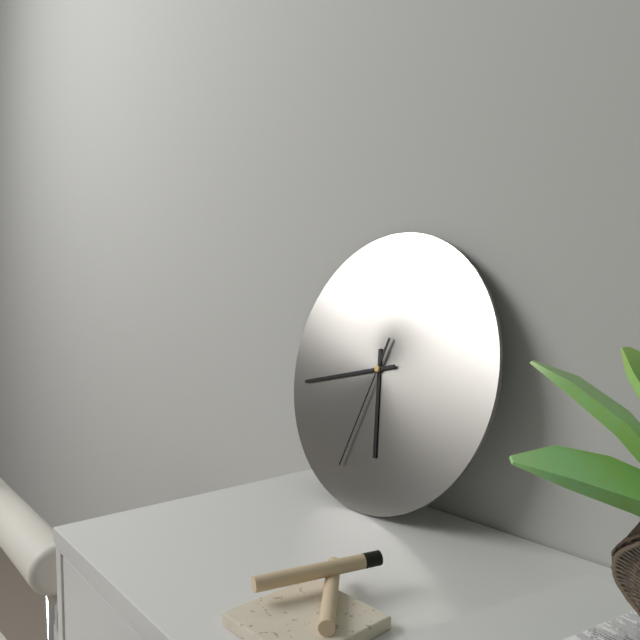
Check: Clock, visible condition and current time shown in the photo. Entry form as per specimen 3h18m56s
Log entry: 5h43m33s
